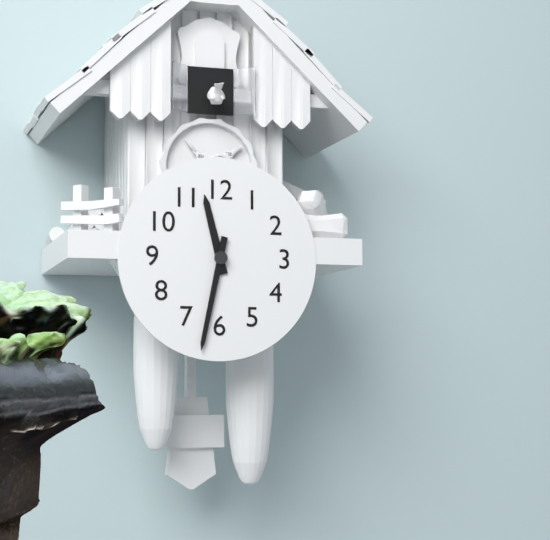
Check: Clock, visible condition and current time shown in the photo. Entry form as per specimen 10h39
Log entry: 11h32
